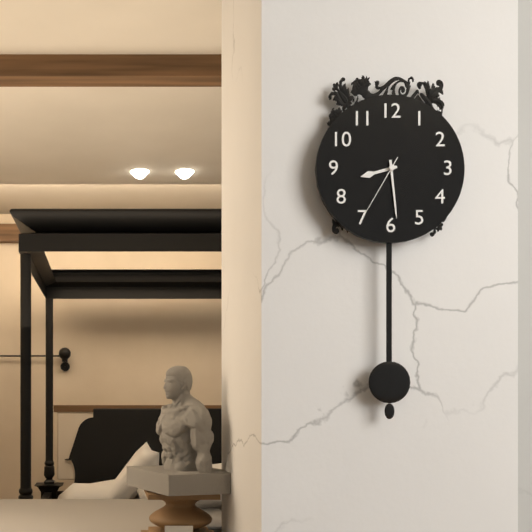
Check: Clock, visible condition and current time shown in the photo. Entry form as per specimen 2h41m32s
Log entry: 8h29m35s
